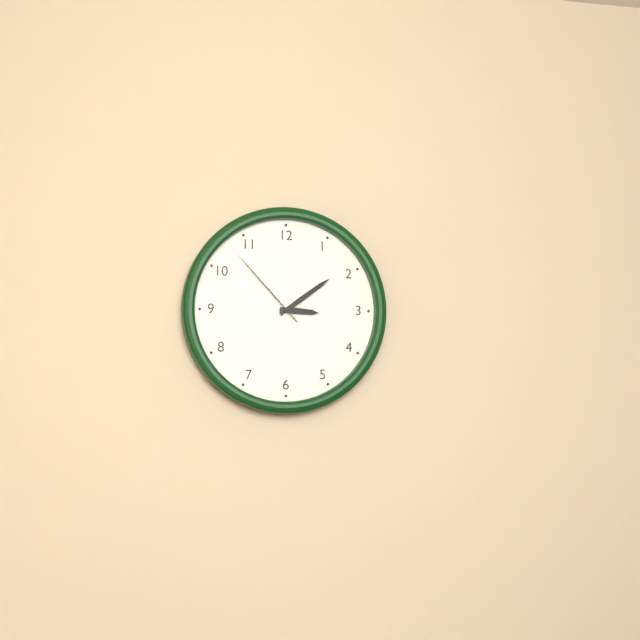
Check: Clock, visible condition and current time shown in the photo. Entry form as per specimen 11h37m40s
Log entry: 3h09m53s
